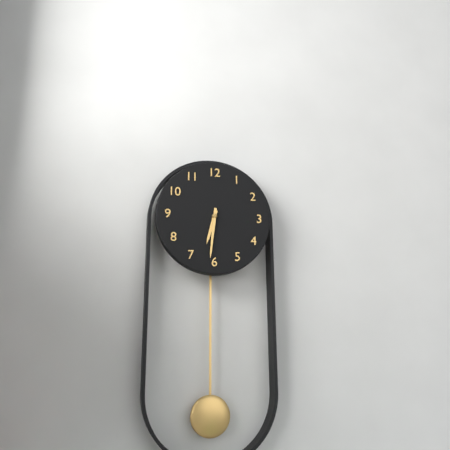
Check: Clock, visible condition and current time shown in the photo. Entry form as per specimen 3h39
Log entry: 6h31
